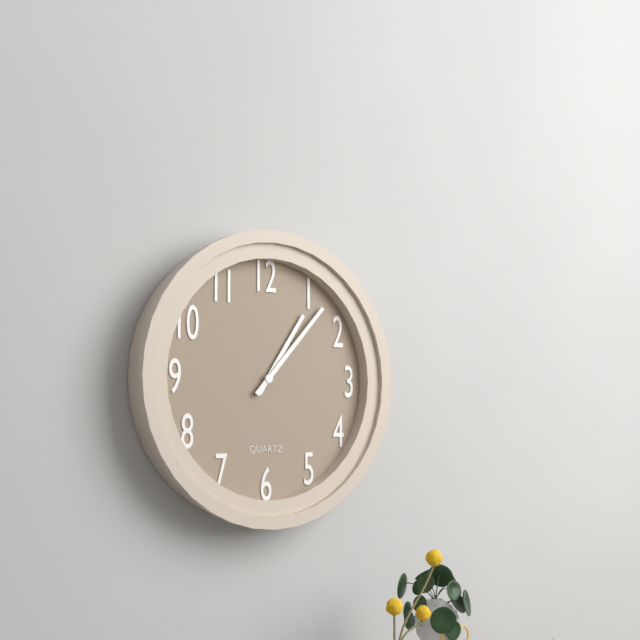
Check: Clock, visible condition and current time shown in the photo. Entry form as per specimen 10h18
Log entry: 1h07
